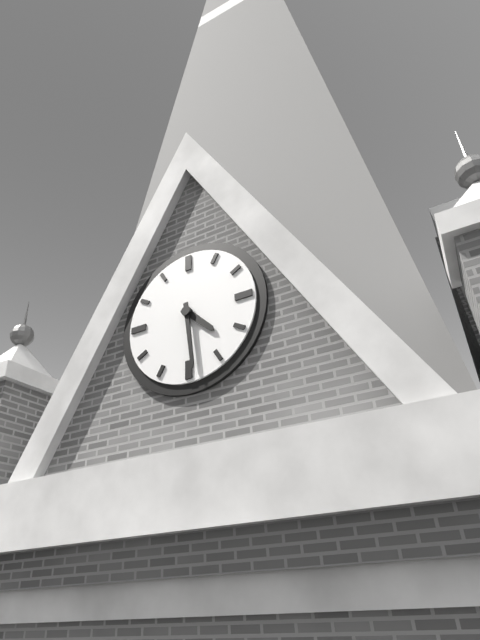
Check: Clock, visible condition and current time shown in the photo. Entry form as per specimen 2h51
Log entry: 4h29
